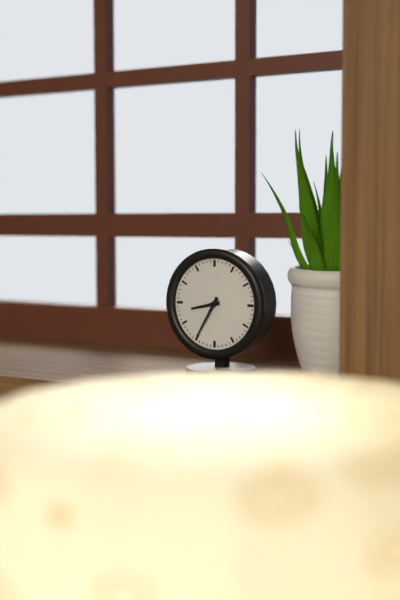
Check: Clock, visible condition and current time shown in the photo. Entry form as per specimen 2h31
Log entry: 8h35
